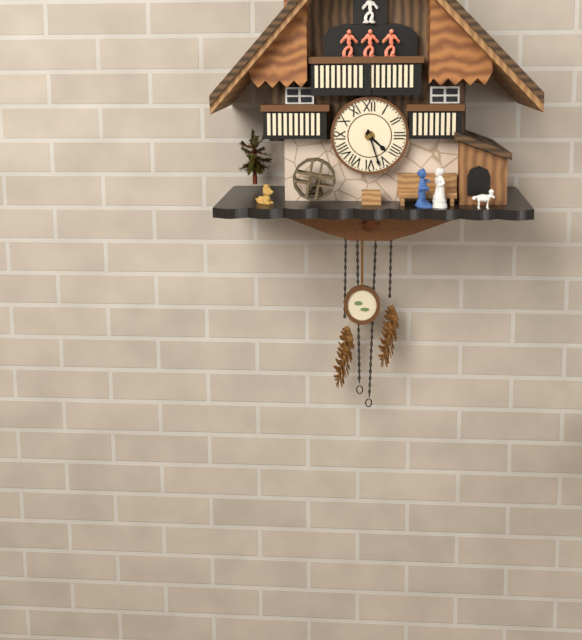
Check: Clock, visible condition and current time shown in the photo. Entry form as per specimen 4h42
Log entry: 4h27
